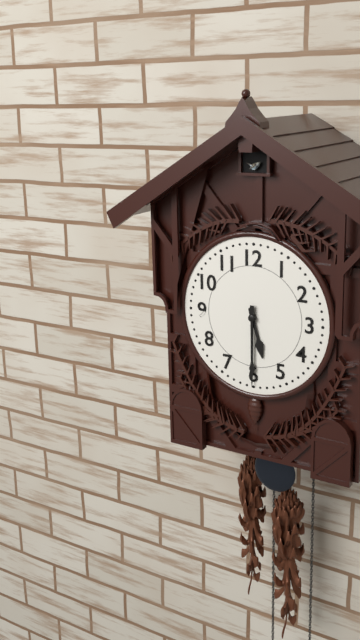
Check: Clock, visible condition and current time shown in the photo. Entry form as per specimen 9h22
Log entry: 5h30
